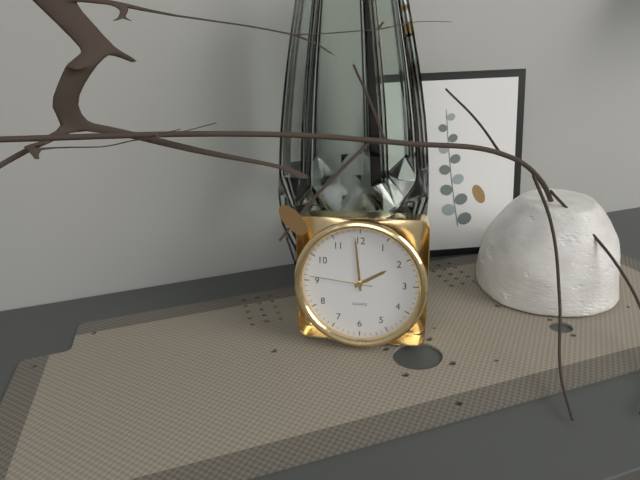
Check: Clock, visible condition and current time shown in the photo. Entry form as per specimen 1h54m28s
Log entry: 1h59m46s
